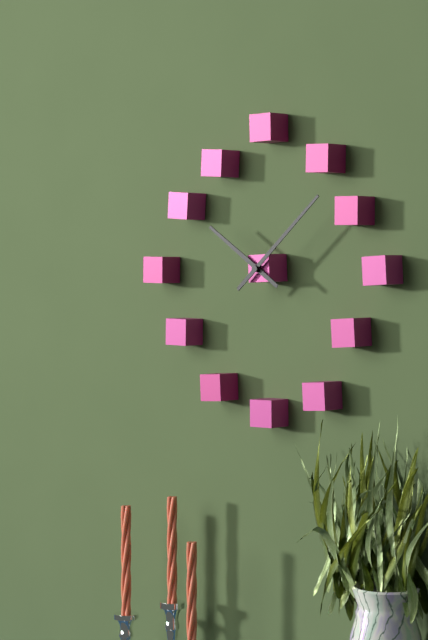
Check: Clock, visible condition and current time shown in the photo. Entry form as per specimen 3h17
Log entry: 10h08
